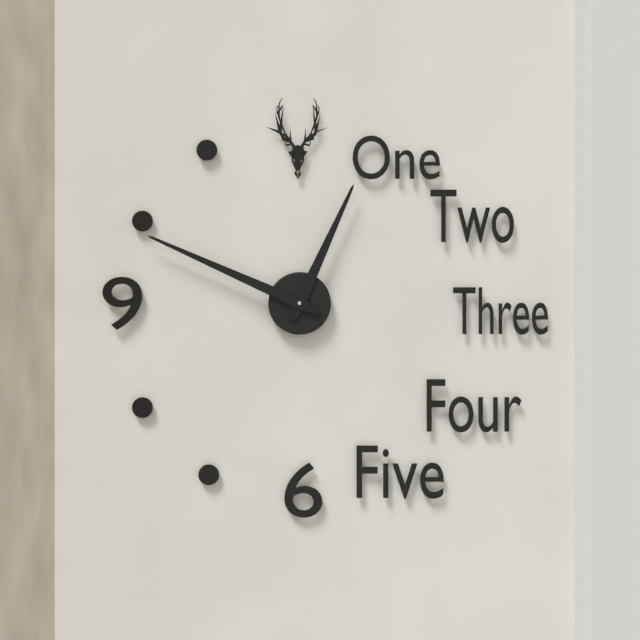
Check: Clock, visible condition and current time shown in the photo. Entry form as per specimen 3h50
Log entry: 12h49
